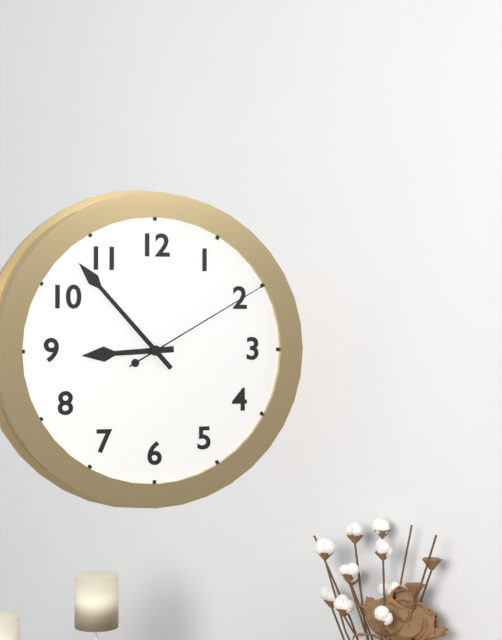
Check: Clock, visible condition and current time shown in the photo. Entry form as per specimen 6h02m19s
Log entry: 8h53m10s
